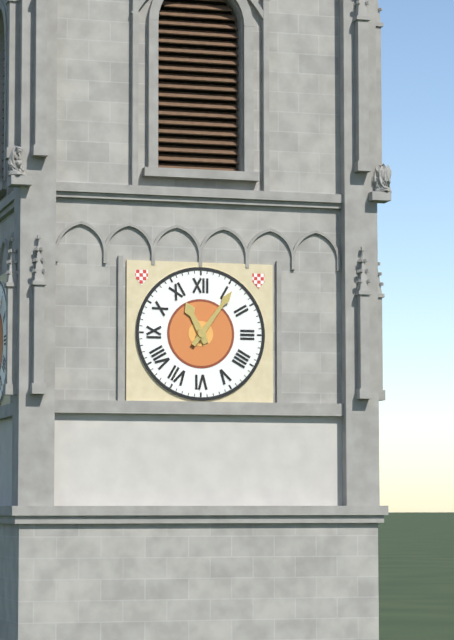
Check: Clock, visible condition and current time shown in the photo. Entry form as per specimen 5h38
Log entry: 11h06
